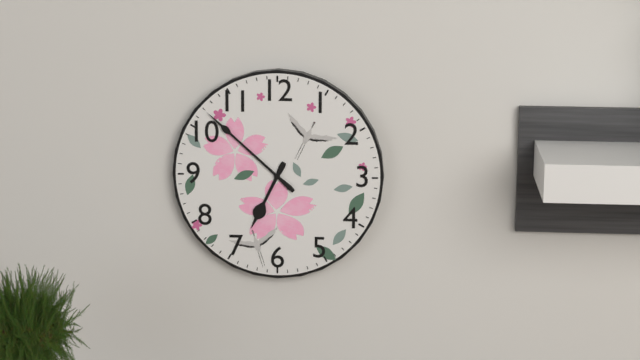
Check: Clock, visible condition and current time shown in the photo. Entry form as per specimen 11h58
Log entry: 6h52
